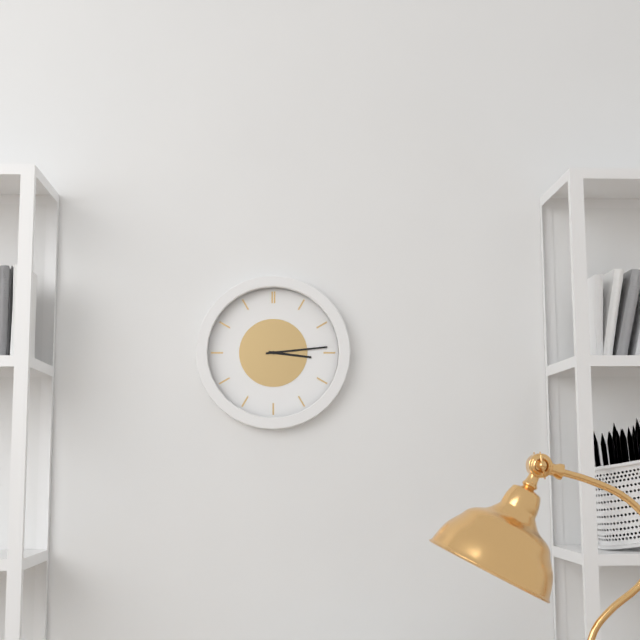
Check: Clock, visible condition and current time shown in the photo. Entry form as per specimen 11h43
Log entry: 3h14
